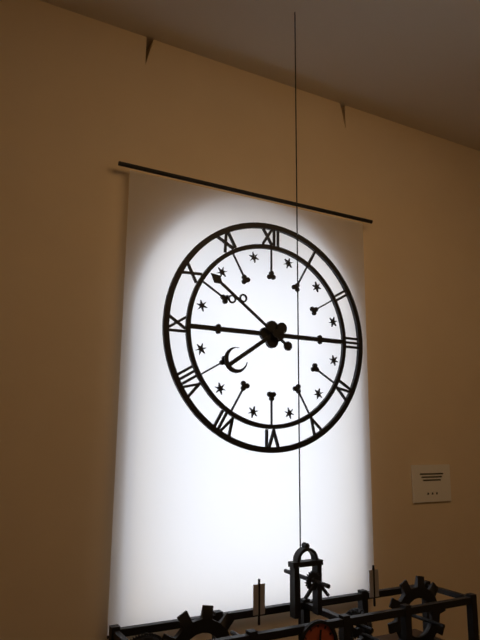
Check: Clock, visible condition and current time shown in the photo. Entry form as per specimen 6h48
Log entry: 7h51
